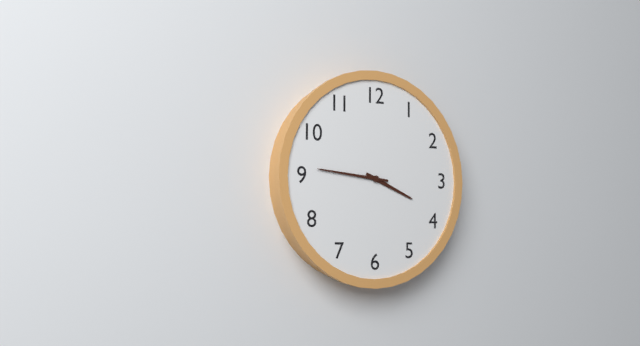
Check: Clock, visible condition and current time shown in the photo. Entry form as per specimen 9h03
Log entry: 3h46
